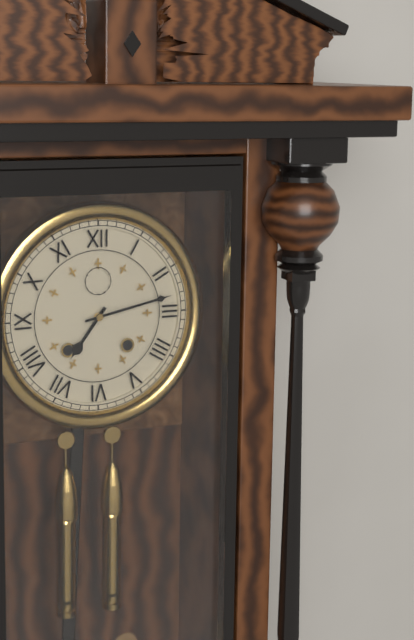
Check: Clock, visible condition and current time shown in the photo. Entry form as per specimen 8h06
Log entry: 7h13
